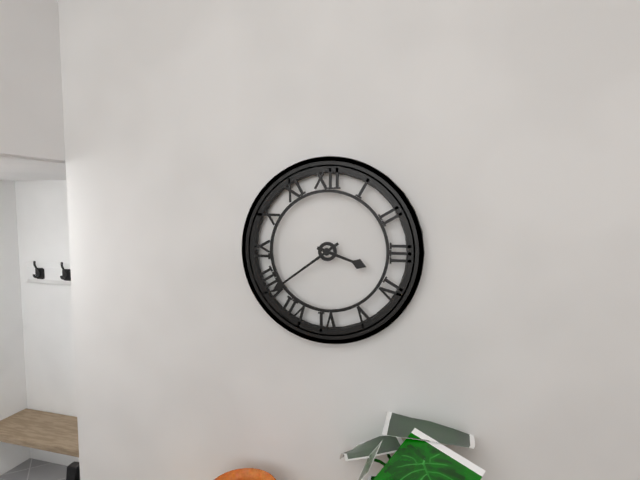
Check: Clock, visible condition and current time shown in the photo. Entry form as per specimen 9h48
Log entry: 3h39
